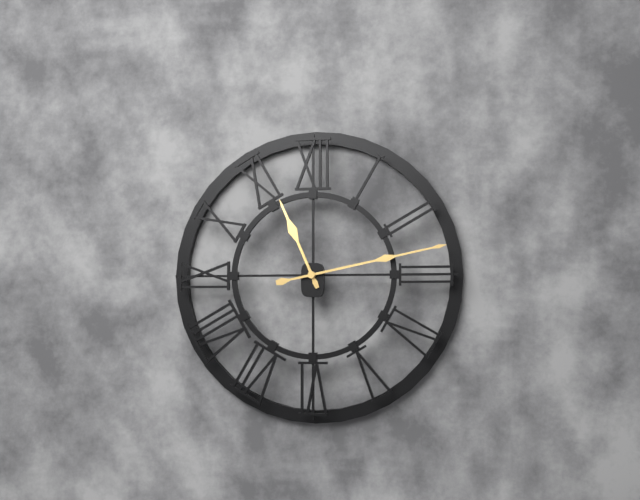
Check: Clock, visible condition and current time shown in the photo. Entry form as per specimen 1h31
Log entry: 11h13
